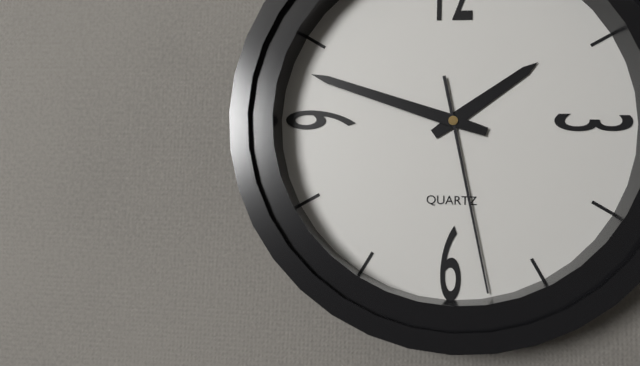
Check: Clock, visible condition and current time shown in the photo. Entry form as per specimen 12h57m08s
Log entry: 1h48m28s
